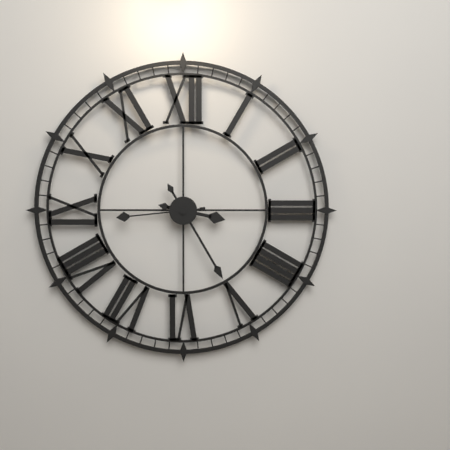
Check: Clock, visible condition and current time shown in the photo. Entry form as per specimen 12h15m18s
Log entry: 3h25m44s
